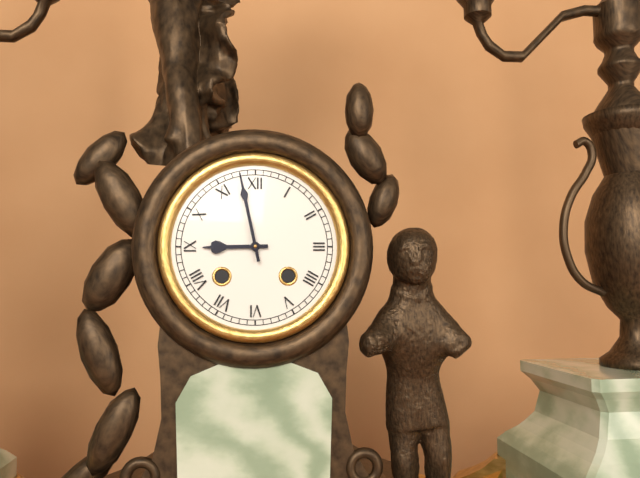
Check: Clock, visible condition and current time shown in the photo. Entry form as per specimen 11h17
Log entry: 8h58
